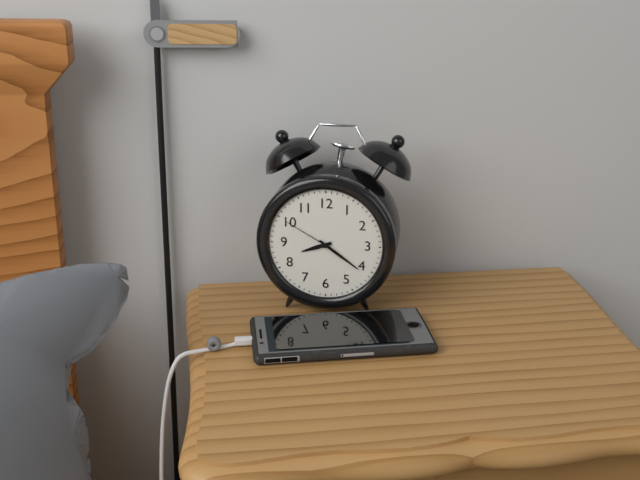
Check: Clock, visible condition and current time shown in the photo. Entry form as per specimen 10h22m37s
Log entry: 8h21m50s
